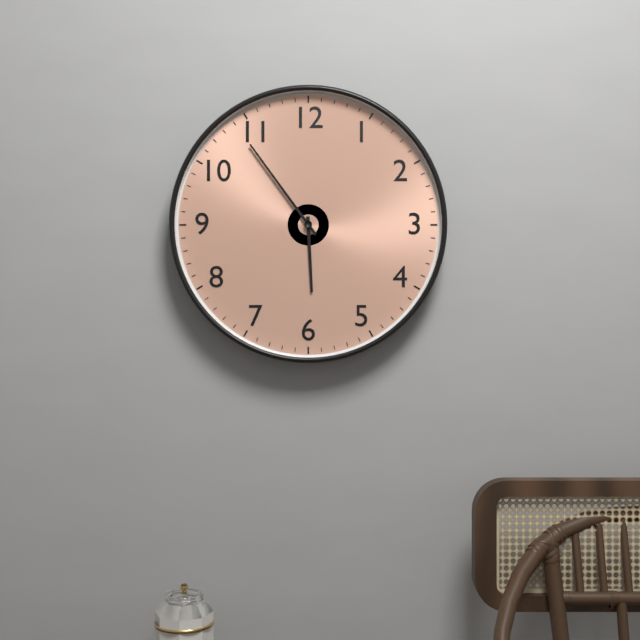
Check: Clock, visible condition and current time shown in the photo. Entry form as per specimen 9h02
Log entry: 5h54
